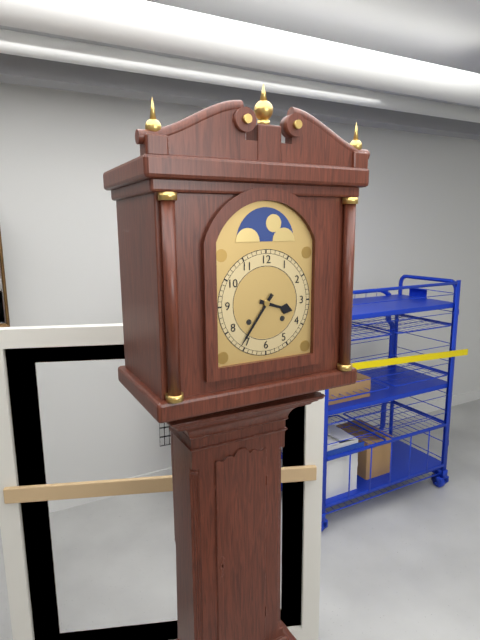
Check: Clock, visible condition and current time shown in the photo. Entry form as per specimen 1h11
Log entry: 3h36
